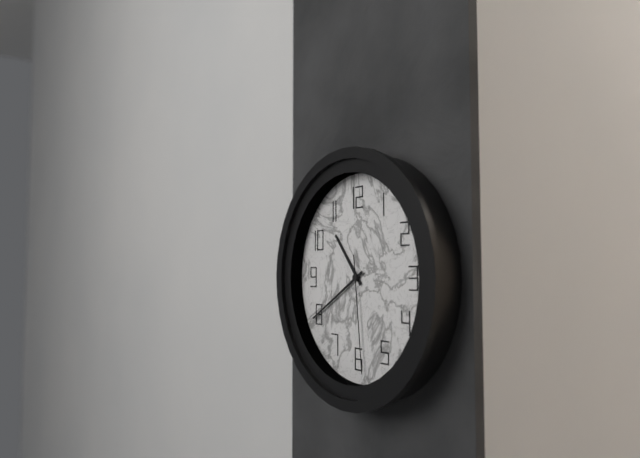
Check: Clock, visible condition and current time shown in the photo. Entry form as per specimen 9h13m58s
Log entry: 10h40m29s
